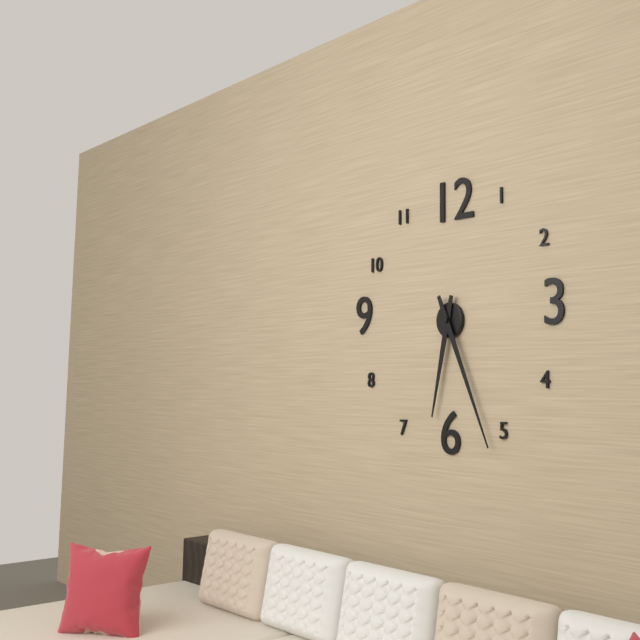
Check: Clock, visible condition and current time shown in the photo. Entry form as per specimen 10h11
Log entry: 6h26
